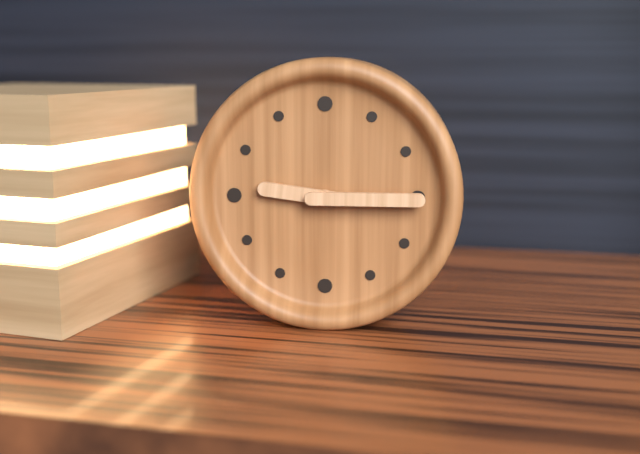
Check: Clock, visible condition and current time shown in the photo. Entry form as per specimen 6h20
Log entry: 9h15
